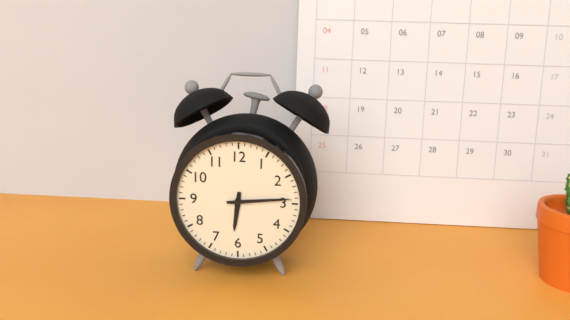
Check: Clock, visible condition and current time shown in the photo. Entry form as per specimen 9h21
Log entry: 6h14
